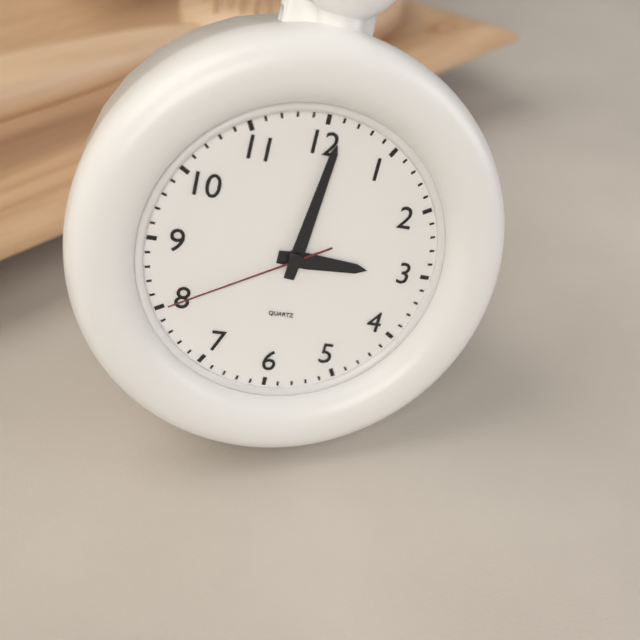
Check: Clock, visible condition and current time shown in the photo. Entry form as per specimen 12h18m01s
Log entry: 3h01m40s
